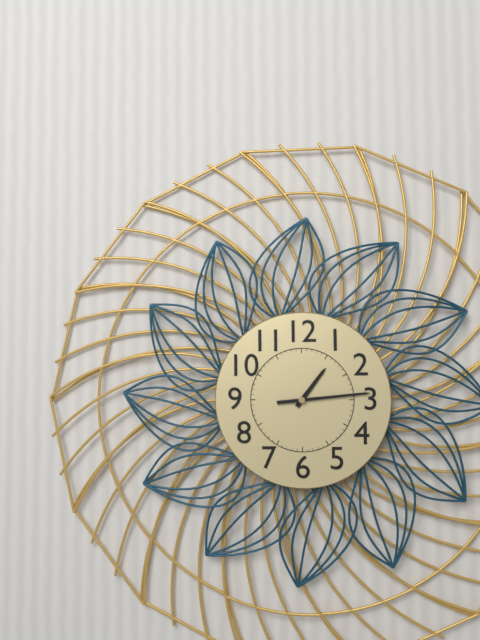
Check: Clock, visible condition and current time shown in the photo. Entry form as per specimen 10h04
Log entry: 1h14
